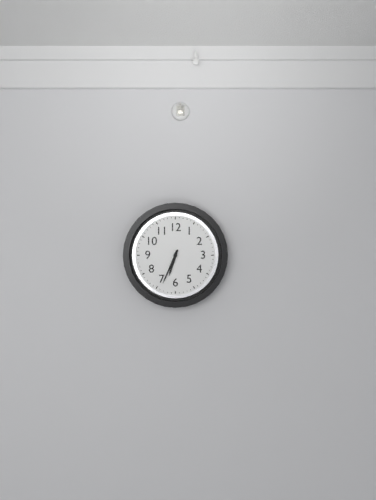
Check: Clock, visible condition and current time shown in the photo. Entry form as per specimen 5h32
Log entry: 6h34
